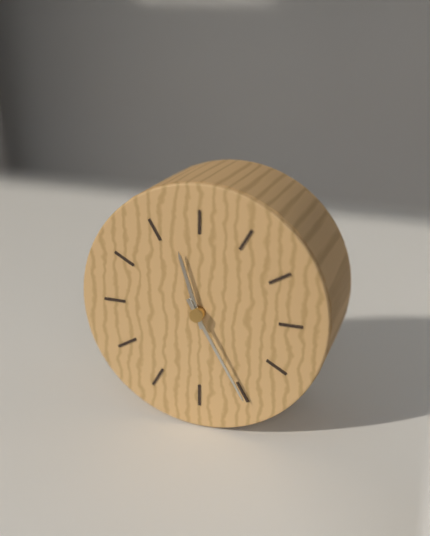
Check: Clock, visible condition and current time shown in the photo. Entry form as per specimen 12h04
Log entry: 11h25
